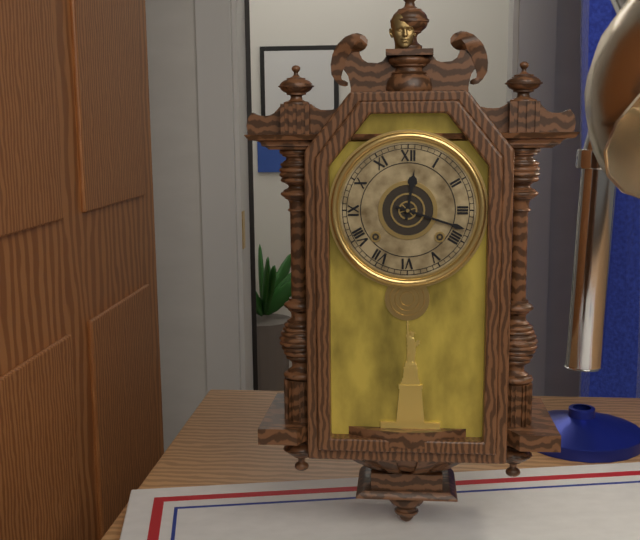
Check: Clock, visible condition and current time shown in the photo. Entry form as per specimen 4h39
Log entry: 12h18
